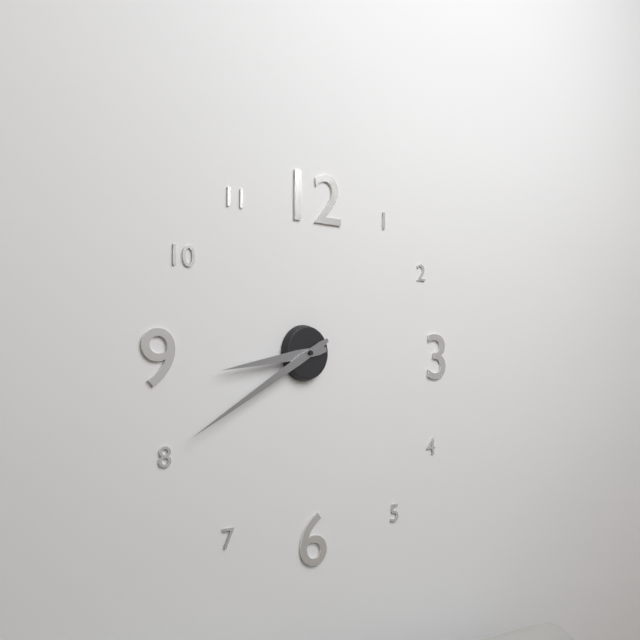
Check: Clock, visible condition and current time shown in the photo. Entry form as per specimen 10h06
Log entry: 8h40
